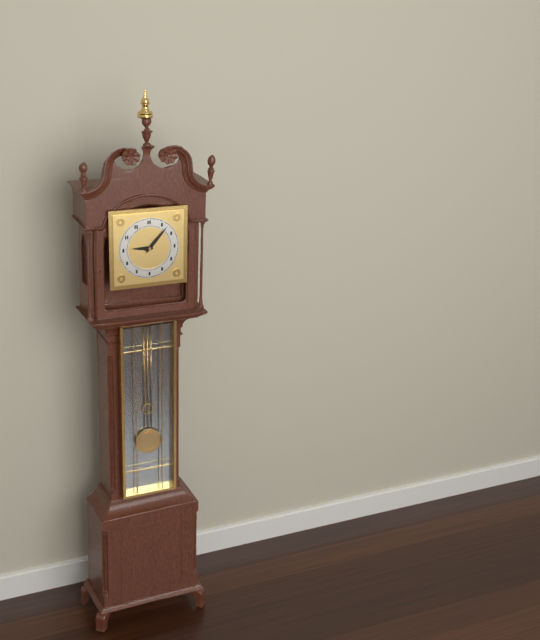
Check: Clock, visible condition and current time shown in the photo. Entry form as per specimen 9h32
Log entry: 9h07
